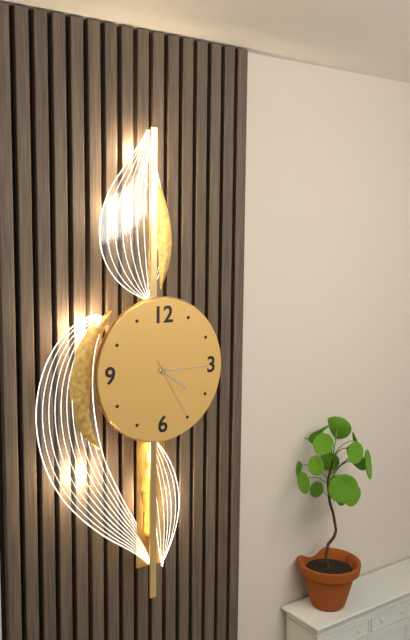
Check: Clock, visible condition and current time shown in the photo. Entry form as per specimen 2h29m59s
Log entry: 4h15m25s
